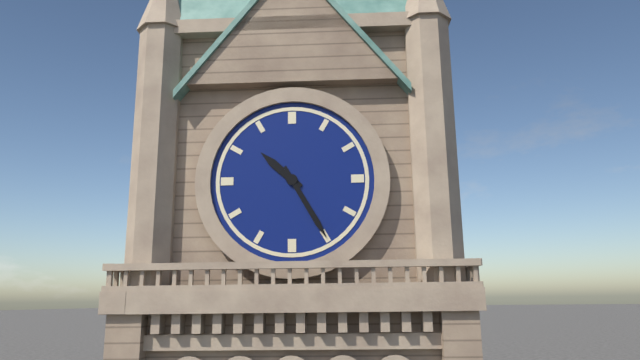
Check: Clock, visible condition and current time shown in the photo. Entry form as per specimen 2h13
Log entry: 10h25
